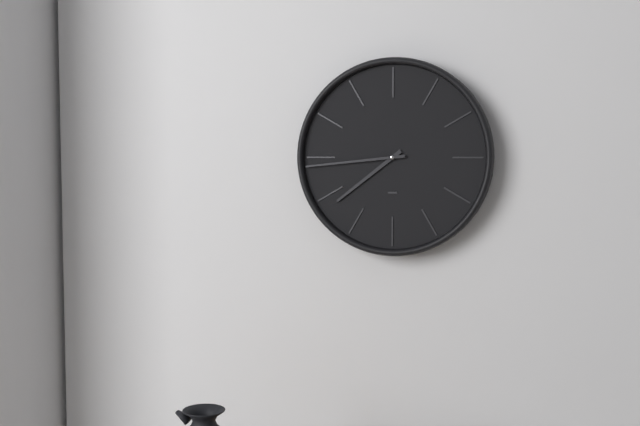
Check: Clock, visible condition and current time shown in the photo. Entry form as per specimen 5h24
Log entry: 7h44
